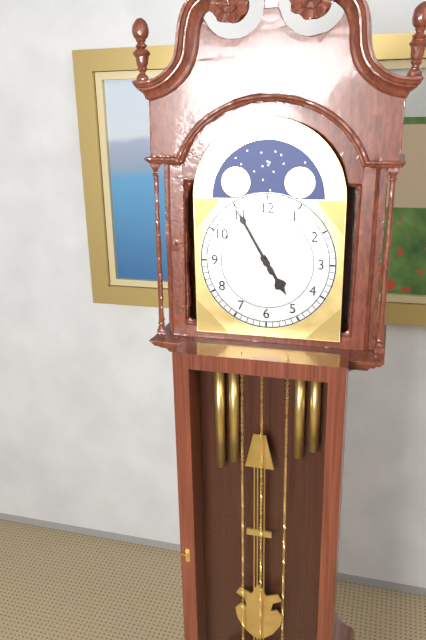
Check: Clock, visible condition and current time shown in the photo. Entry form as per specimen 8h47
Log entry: 4h55
